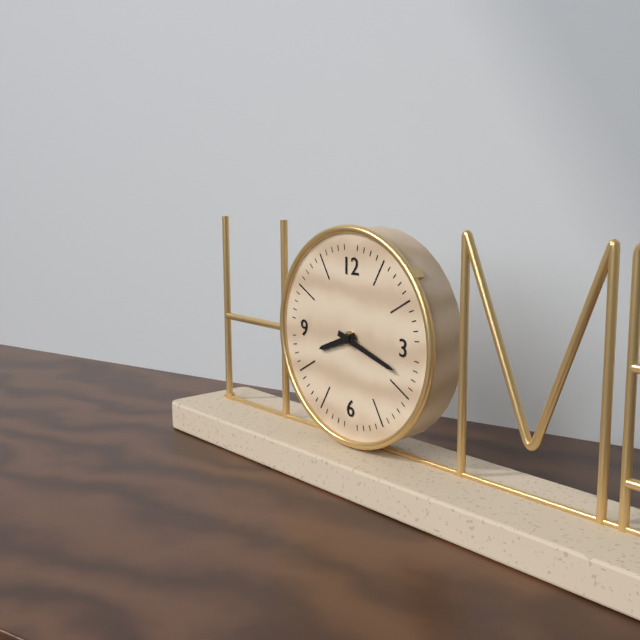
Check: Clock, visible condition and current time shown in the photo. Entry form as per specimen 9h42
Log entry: 8h18
